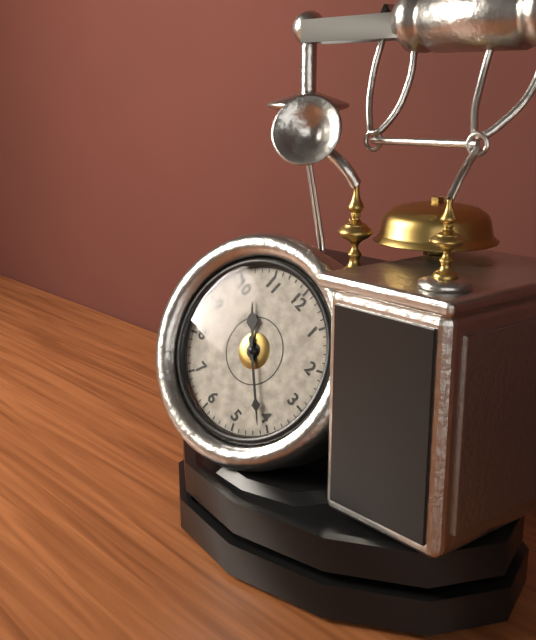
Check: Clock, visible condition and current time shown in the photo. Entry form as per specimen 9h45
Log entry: 10h21
